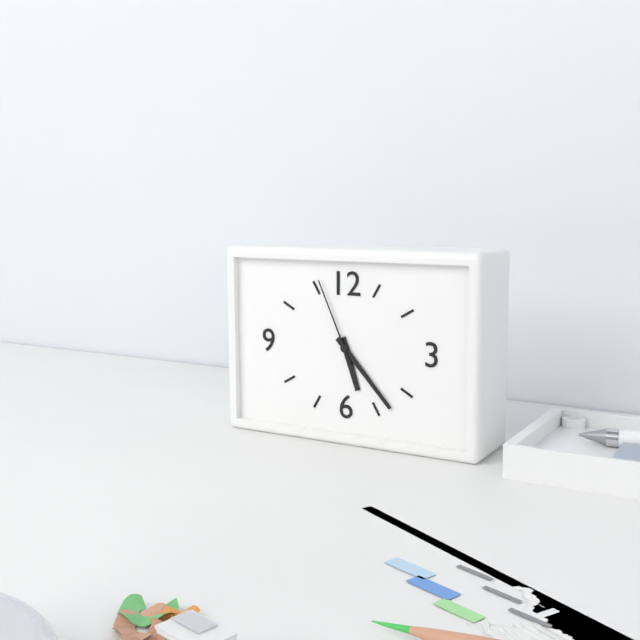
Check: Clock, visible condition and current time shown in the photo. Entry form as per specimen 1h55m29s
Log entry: 5h23m56s
